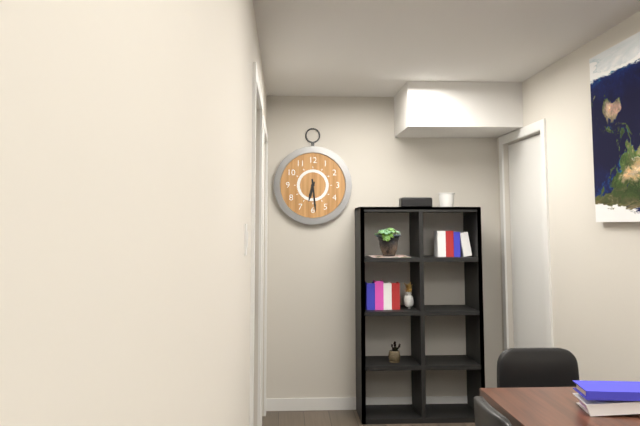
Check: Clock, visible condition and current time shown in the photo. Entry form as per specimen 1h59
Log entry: 6h29
